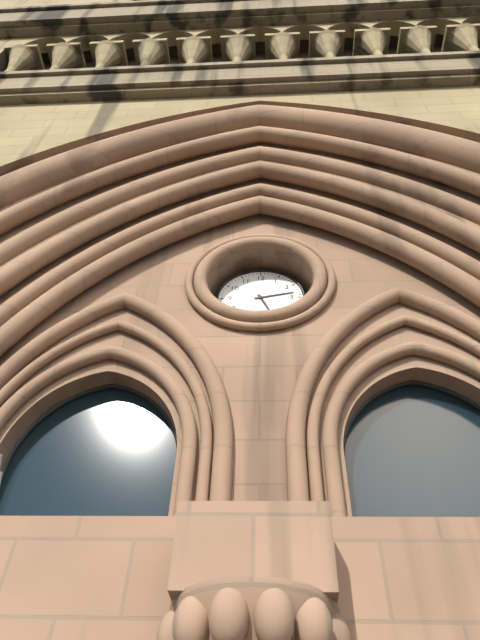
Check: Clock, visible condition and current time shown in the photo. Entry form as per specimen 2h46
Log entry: 5h13
